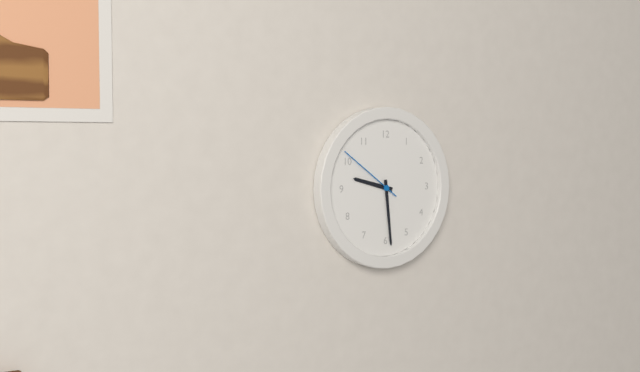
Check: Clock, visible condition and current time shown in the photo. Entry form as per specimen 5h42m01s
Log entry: 9h29m51s
